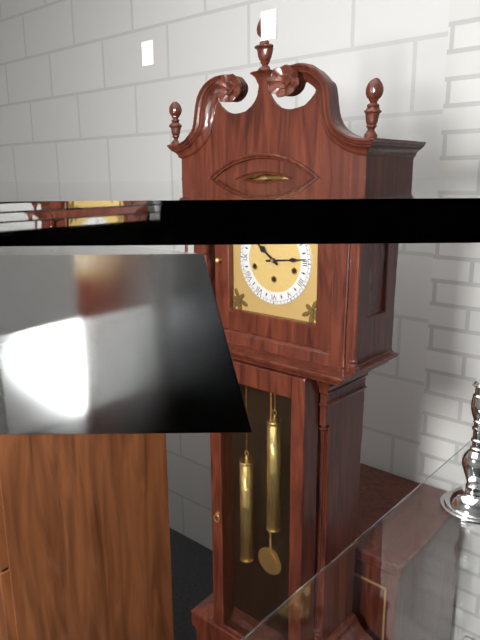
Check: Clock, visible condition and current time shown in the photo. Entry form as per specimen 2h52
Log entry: 10h14
